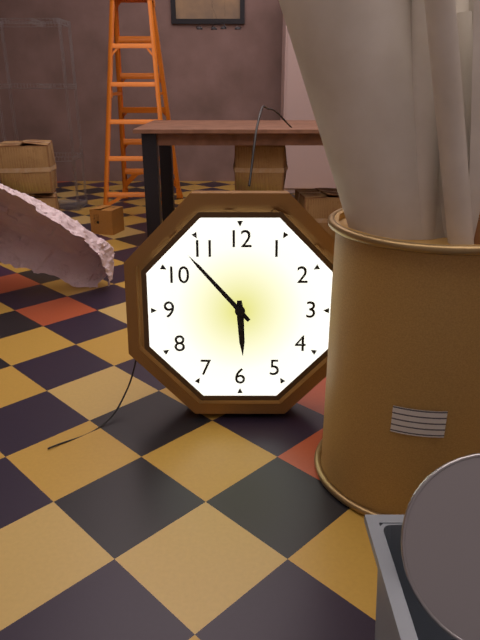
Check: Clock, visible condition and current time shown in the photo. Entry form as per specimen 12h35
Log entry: 5h53
